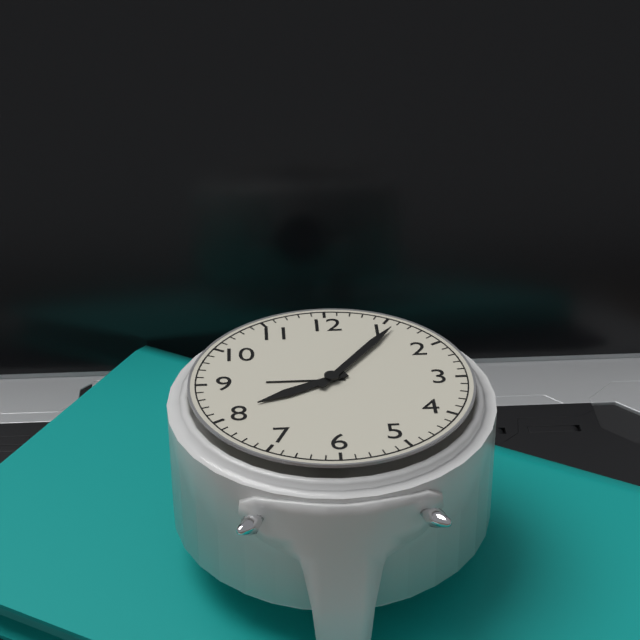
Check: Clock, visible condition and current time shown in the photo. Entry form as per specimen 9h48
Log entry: 8h06
